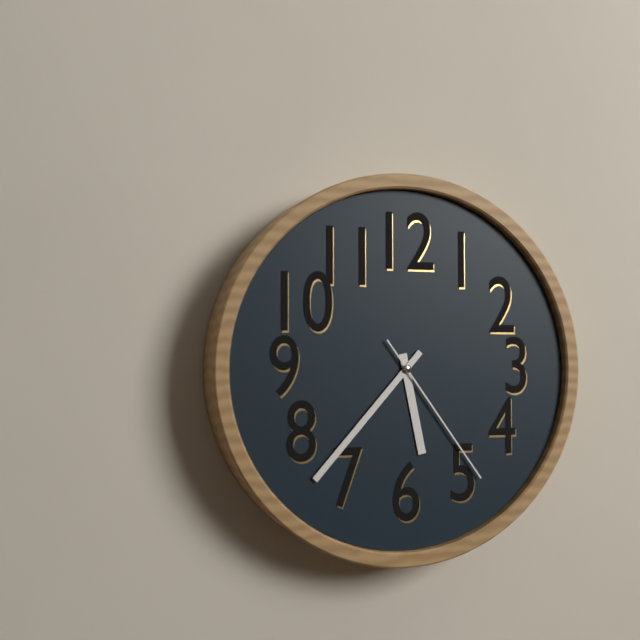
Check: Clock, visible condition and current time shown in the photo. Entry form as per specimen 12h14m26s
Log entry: 5h37m24s
